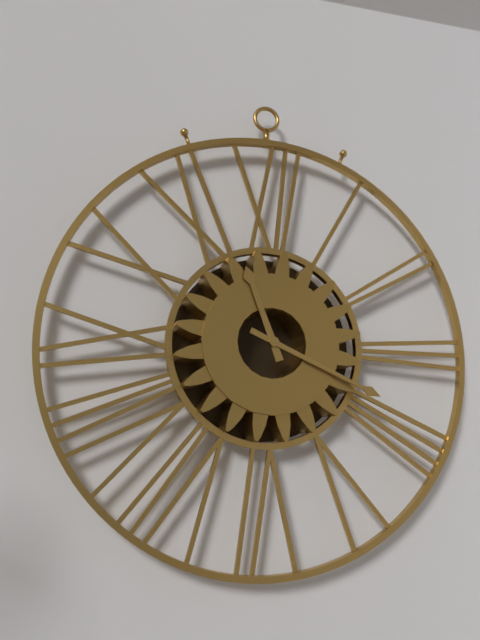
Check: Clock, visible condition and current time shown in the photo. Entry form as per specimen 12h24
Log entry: 11h19
